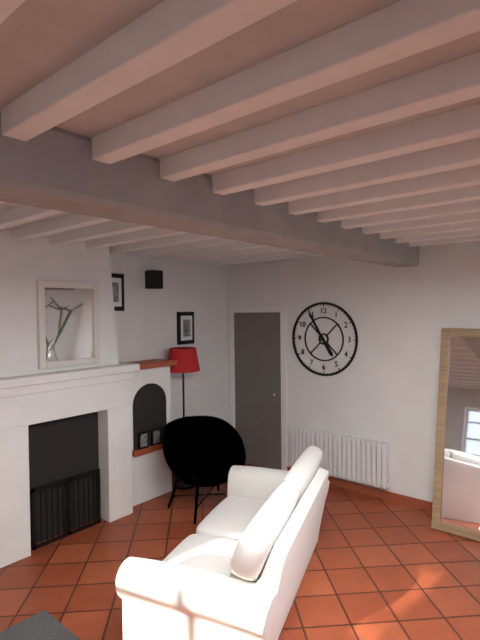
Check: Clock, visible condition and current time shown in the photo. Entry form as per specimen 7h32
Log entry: 4h55
